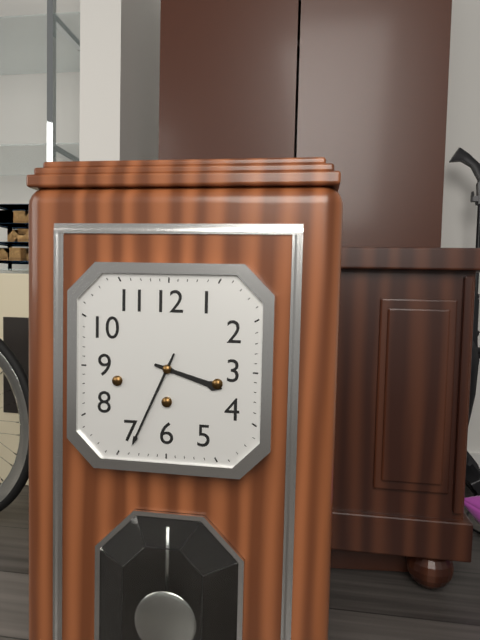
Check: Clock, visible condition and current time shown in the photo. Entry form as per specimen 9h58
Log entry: 3h34
